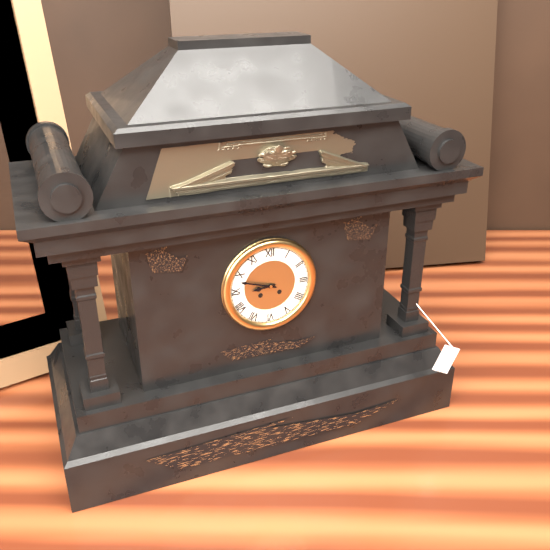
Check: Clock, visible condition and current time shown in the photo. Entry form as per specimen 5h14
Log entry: 8h48
